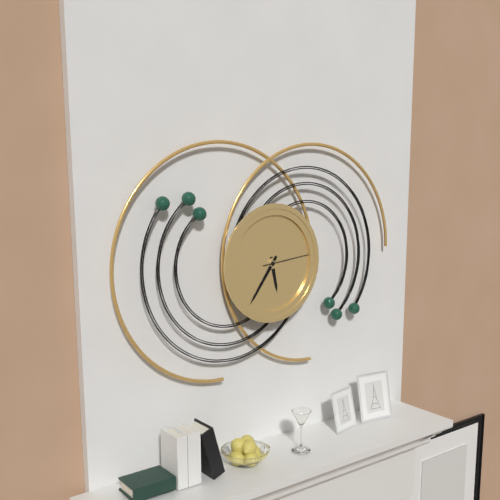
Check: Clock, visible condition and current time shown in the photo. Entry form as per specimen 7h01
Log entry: 5h36
